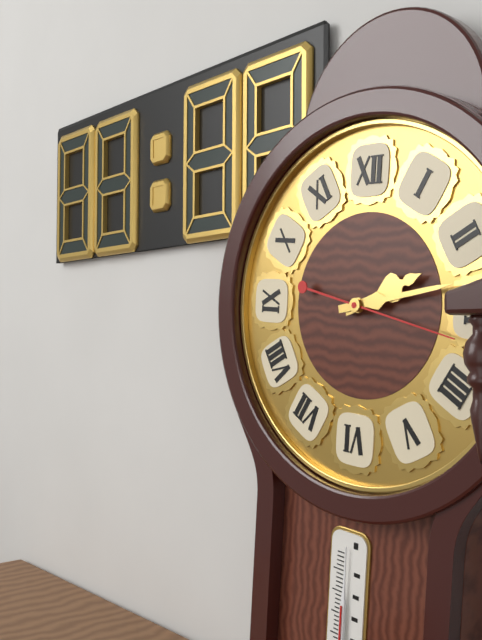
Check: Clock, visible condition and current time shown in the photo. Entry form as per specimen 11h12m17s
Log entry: 2h13m17s
